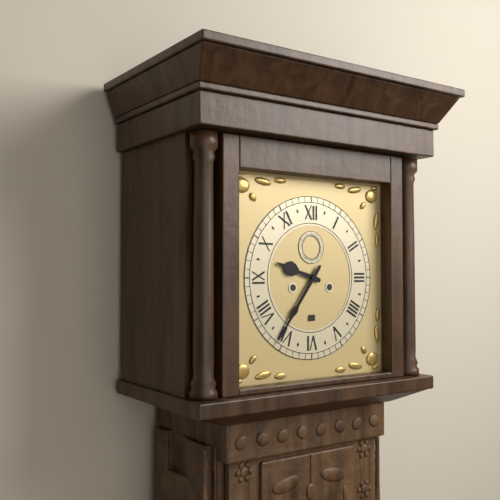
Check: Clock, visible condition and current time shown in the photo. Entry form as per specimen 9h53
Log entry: 9h36
